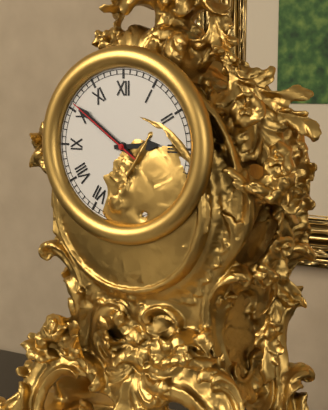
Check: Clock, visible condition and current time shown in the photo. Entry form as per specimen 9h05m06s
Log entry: 2h51m51s
